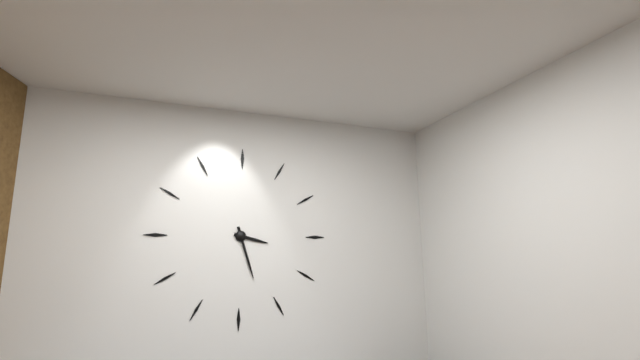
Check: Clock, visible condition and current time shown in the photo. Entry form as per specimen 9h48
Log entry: 3h27
